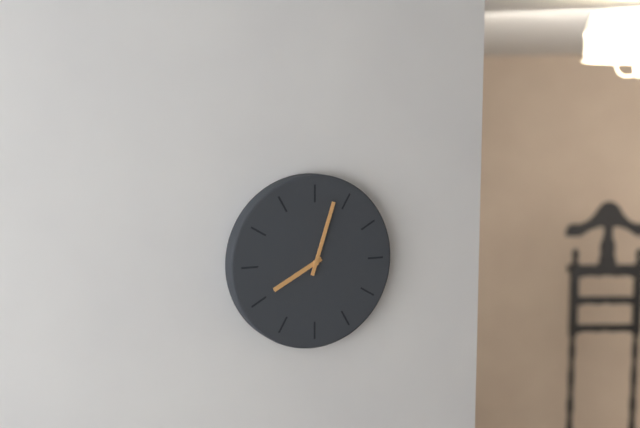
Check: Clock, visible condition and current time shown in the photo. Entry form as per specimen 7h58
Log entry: 8h03
